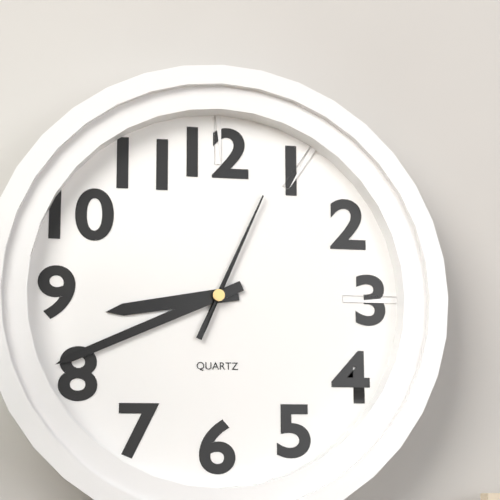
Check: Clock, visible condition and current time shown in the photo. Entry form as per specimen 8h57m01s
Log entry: 8h41m04s
